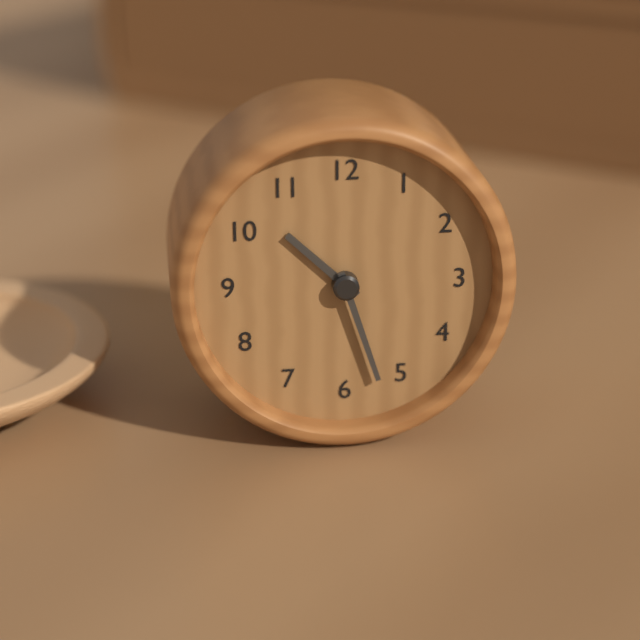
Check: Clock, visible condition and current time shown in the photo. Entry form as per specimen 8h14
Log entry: 10h27
